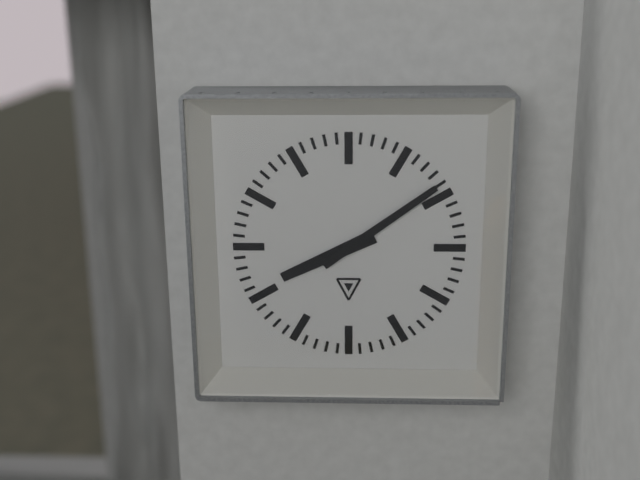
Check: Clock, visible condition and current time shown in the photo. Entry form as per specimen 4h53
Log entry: 8h09
